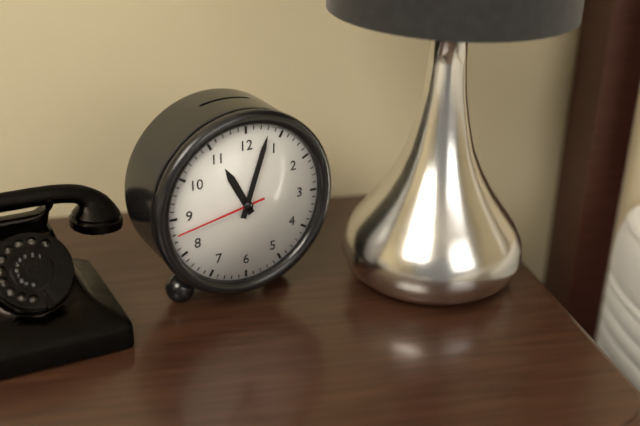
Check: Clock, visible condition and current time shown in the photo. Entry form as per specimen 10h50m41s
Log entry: 11h03m43s
